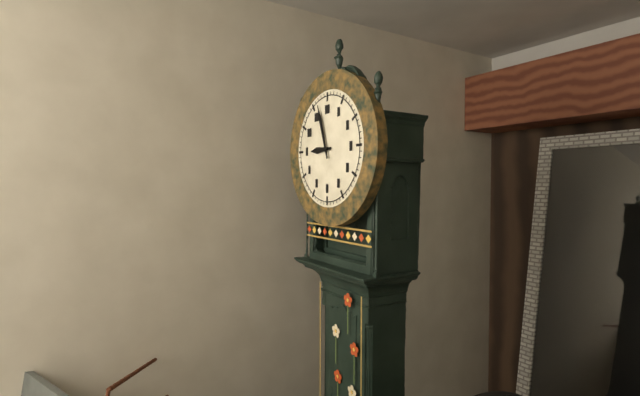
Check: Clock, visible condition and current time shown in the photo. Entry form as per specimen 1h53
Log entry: 8h57
